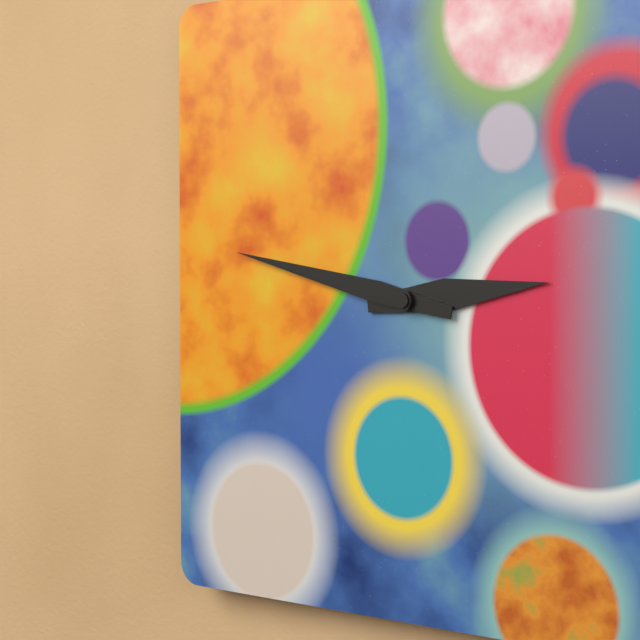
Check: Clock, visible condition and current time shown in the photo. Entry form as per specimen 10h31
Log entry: 2h47
